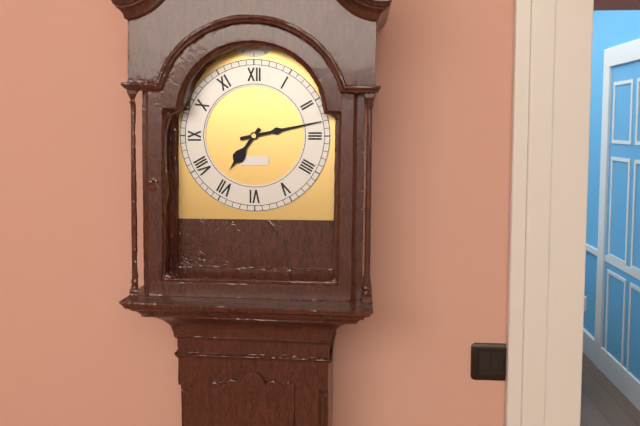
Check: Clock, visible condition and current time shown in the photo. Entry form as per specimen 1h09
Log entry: 7h13
